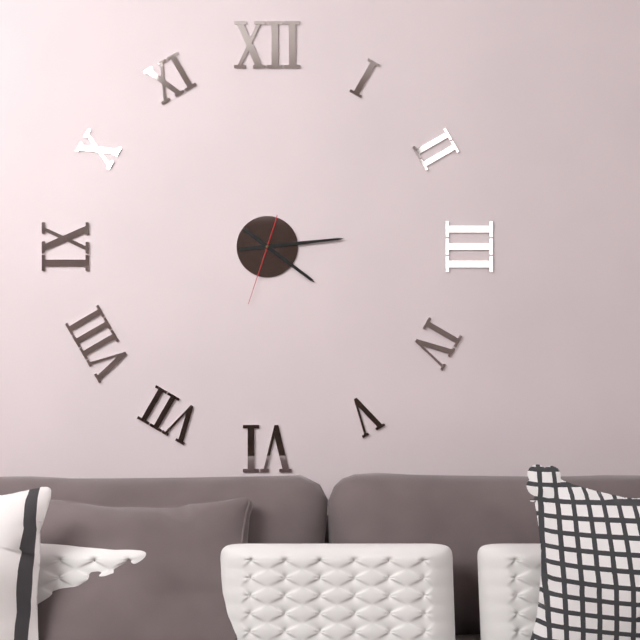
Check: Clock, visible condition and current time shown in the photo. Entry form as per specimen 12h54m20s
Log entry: 4h14m33s
